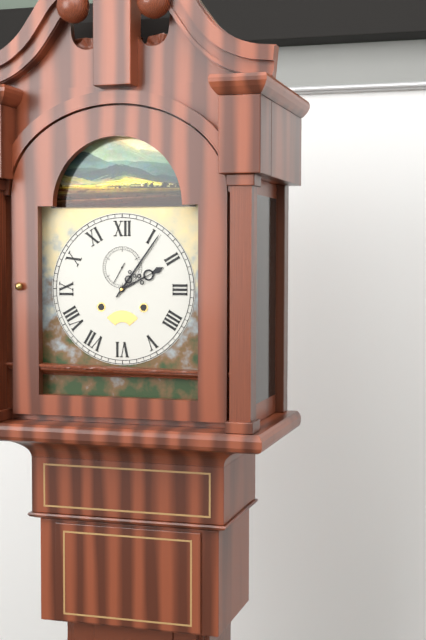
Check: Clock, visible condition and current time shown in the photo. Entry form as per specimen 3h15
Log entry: 2h06
